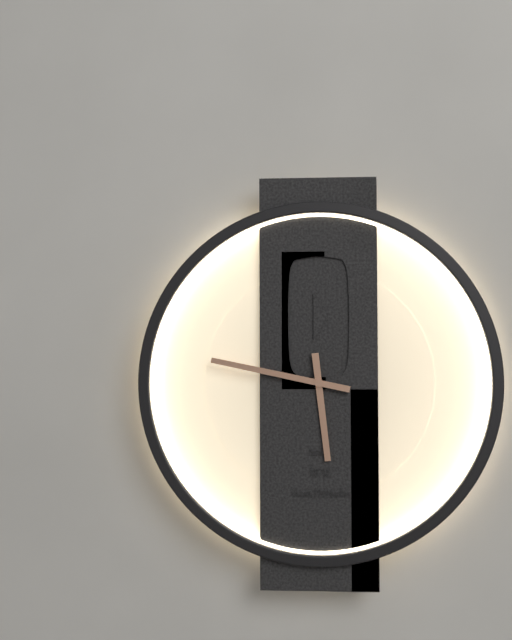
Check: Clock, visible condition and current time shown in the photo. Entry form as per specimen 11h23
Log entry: 5h47
